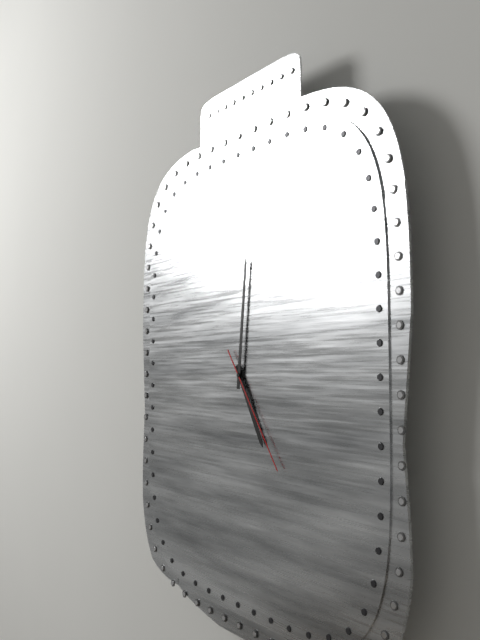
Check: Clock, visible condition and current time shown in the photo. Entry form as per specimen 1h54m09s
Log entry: 5h01m24s
